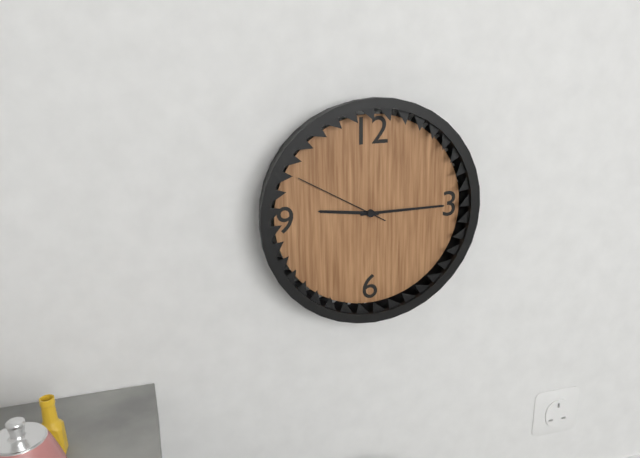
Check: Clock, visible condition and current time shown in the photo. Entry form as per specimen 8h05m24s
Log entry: 9h15m50s
